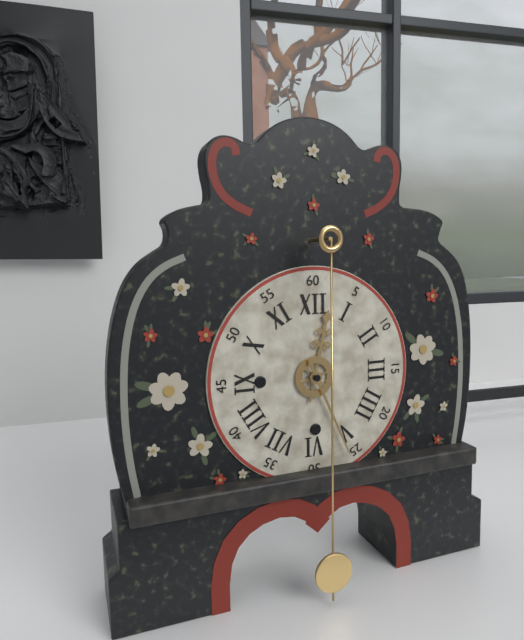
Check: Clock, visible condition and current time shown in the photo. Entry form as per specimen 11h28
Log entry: 12h26
